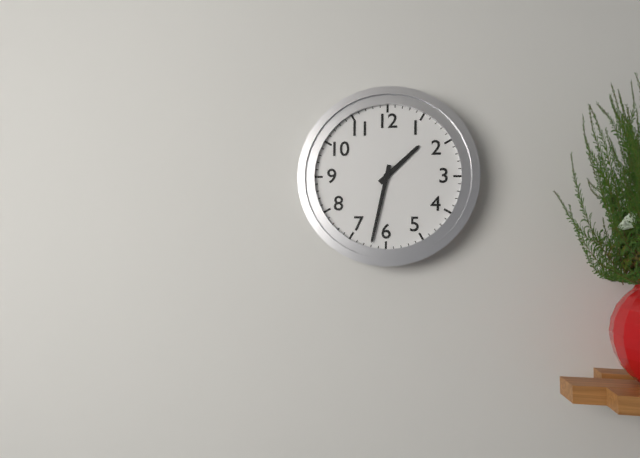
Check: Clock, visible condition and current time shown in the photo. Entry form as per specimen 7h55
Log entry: 1h32
